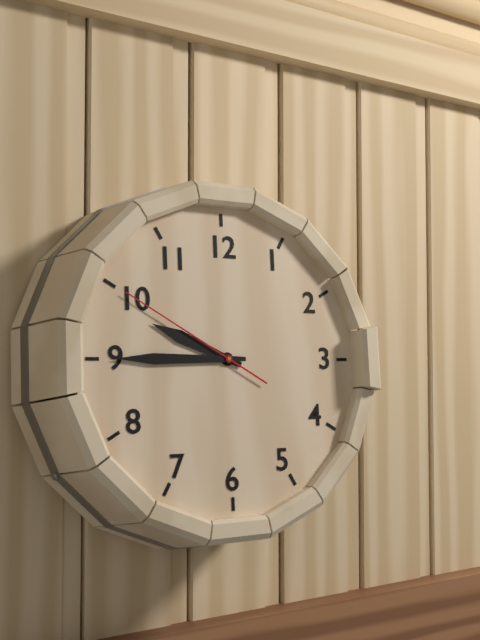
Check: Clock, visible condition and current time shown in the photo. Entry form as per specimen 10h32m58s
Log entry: 9h45m50s
